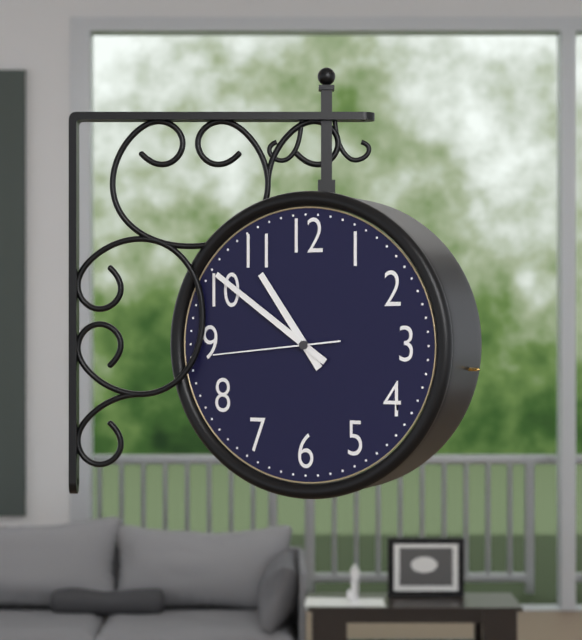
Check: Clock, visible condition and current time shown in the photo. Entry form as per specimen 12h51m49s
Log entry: 10h51m44s
